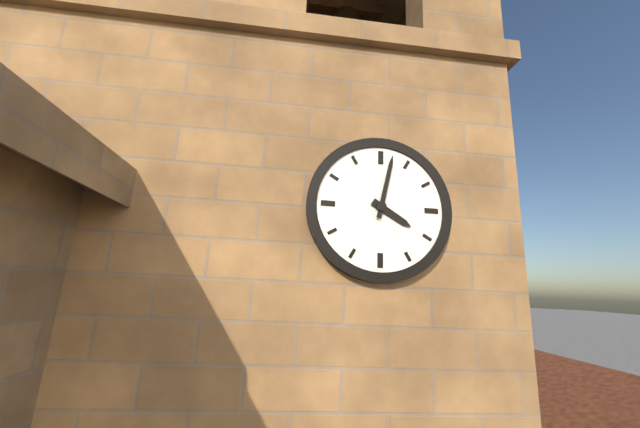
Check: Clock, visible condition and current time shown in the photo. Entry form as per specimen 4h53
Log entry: 4h02
